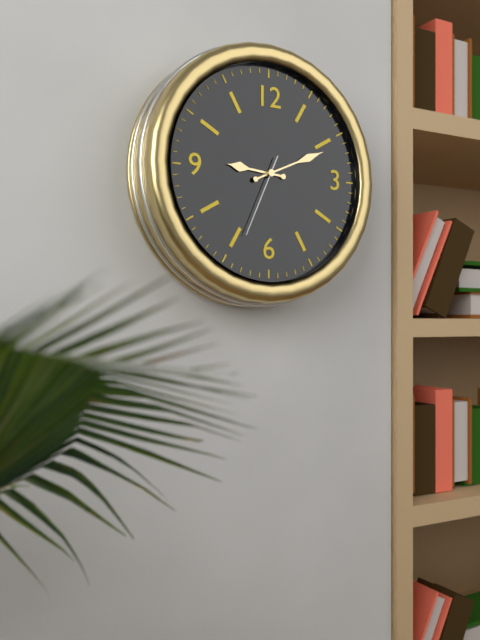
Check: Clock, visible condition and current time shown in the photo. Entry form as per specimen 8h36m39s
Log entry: 9h11m34s
